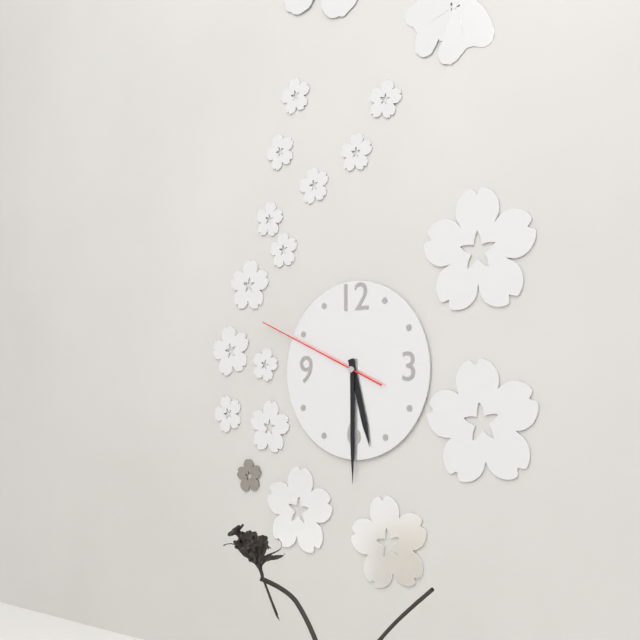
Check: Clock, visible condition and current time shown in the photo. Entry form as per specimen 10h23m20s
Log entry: 5h30m49s
